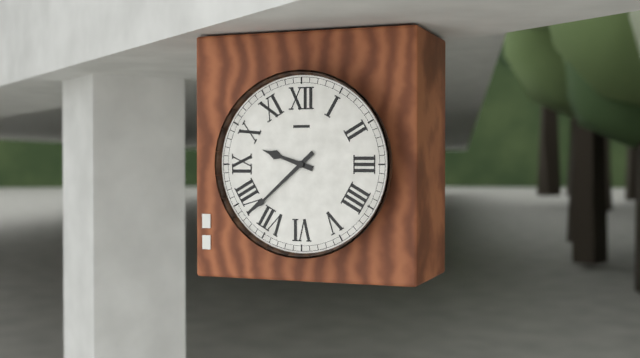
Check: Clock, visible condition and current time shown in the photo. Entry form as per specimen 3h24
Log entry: 9h38
